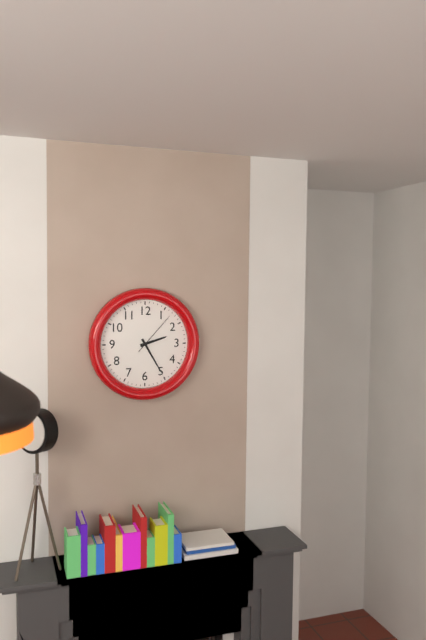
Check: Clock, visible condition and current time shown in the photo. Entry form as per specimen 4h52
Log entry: 2h25
